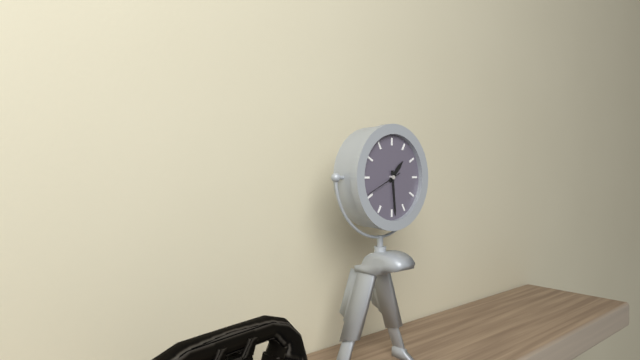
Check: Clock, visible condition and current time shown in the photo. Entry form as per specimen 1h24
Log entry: 1h29
